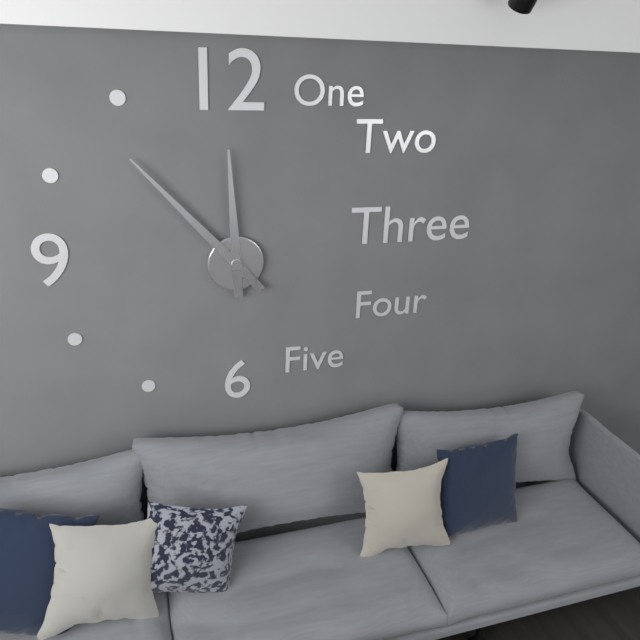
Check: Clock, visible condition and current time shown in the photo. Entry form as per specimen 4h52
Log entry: 11h53
